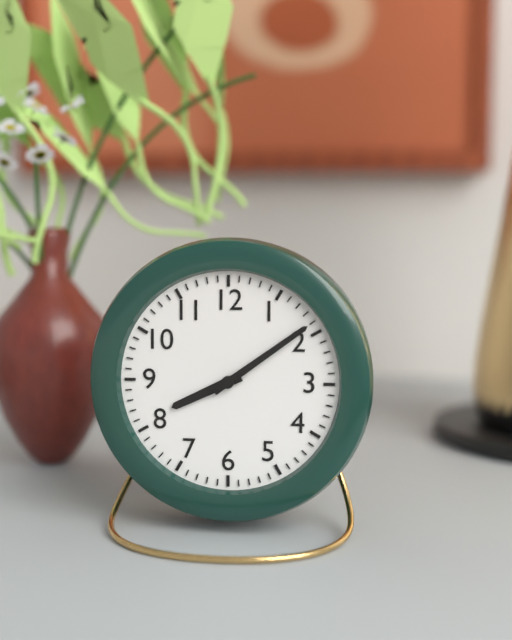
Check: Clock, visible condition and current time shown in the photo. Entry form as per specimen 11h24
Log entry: 8h09
